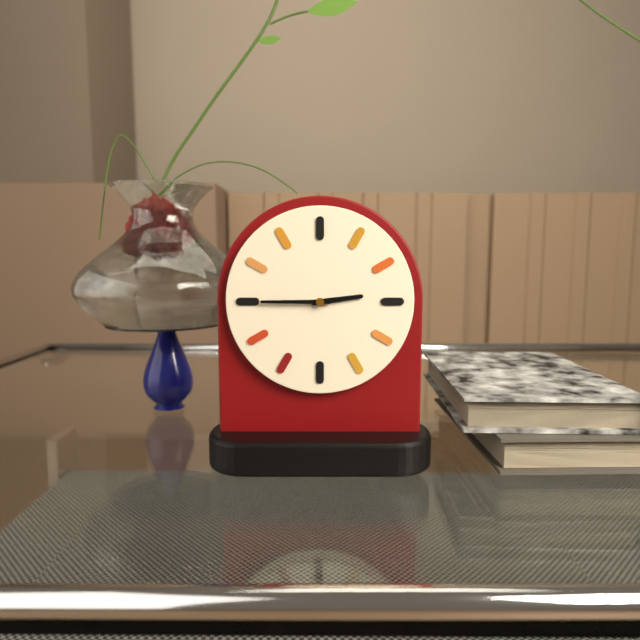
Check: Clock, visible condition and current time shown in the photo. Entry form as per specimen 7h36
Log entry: 2h45
